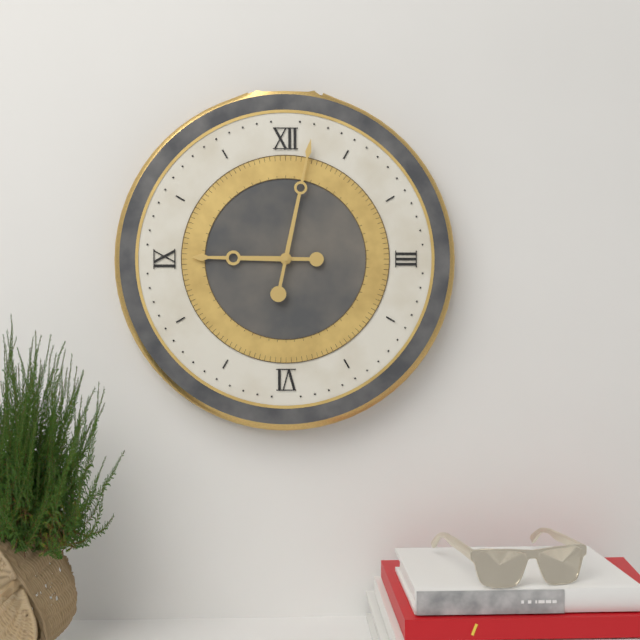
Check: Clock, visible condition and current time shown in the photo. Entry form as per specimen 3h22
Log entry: 9h02
